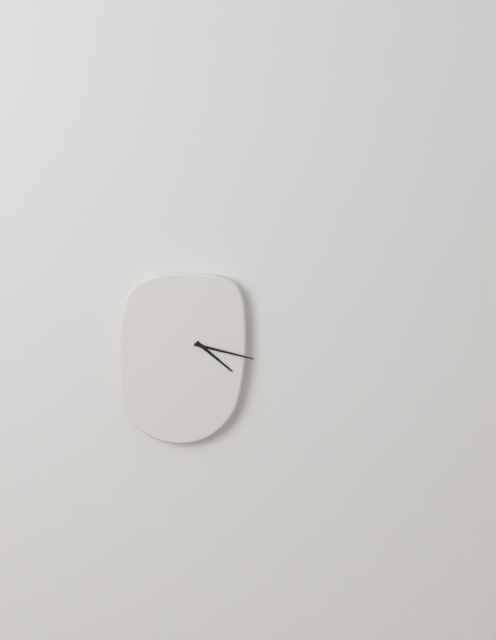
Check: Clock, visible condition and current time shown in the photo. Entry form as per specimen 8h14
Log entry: 4h17
